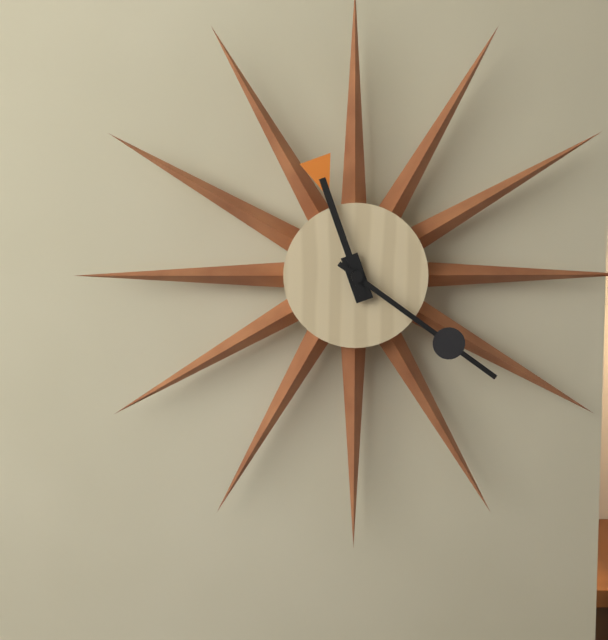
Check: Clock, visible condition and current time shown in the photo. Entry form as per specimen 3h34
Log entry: 11h21
